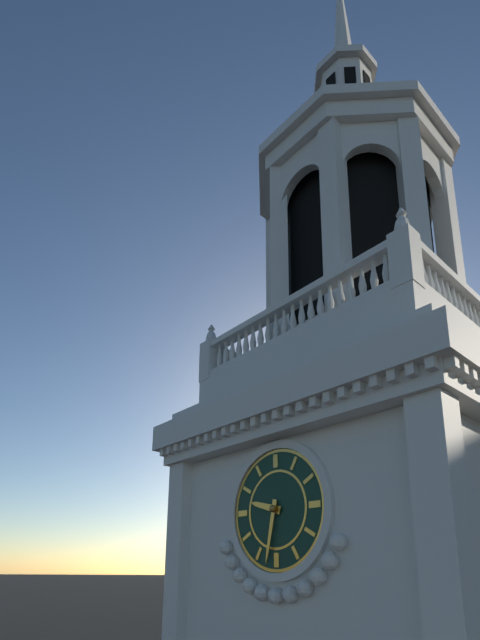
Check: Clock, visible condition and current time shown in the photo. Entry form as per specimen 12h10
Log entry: 9h32
